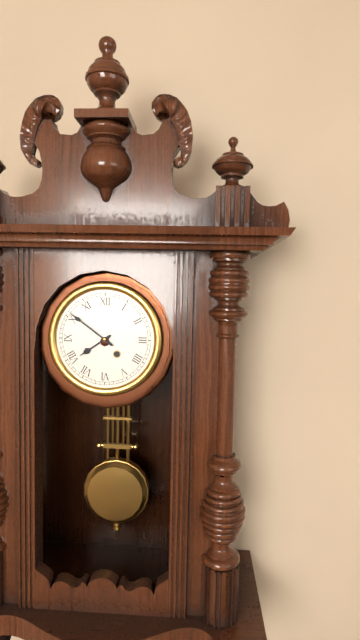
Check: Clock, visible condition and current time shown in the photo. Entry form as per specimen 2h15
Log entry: 7h51
